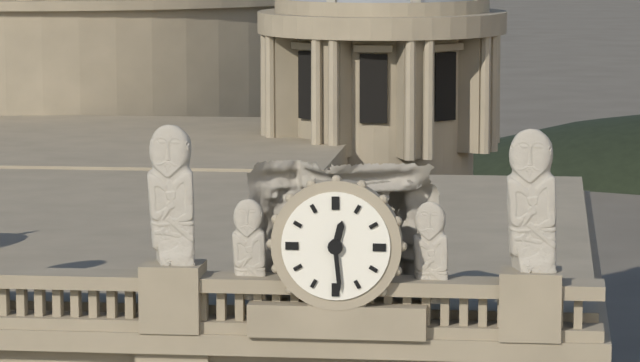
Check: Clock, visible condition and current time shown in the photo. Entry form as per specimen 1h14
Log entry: 12h29
